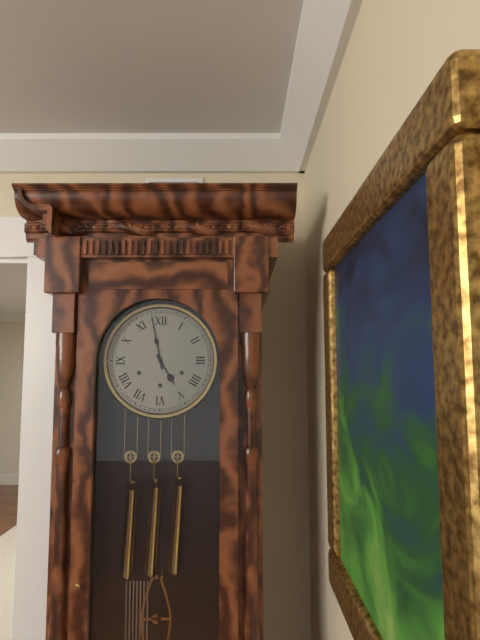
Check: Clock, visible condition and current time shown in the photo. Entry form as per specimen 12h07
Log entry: 4h58
